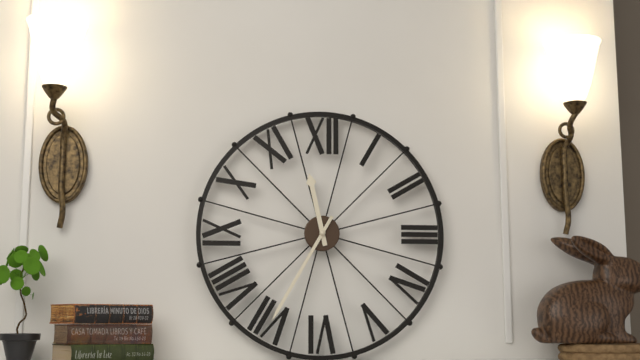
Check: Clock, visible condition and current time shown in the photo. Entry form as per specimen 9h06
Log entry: 11h35
